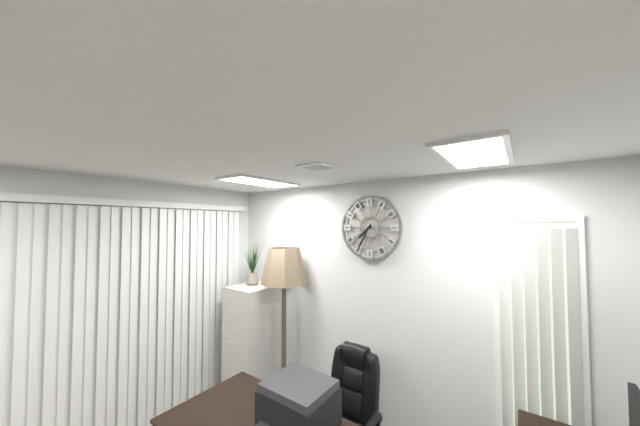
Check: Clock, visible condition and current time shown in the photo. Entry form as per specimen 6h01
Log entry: 7h35
